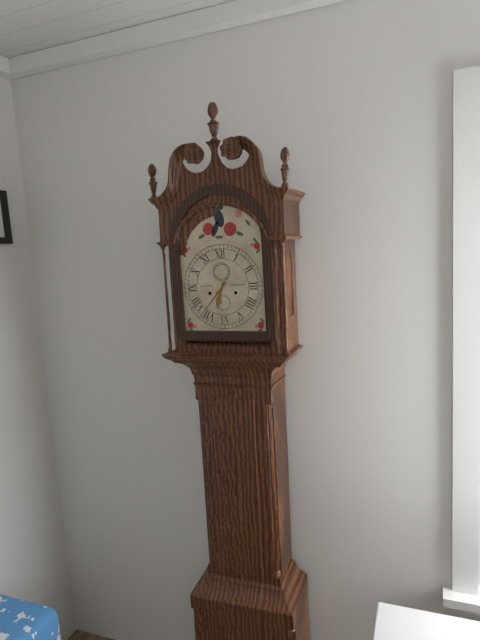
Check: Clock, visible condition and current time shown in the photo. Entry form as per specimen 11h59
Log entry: 6h37
